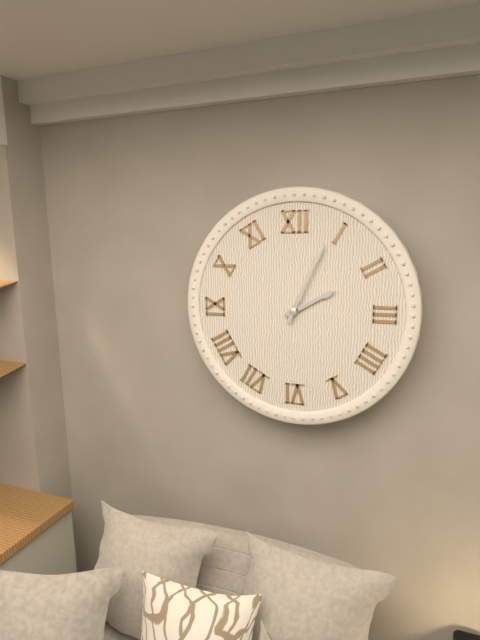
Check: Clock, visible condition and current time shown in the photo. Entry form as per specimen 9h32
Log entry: 2h04
